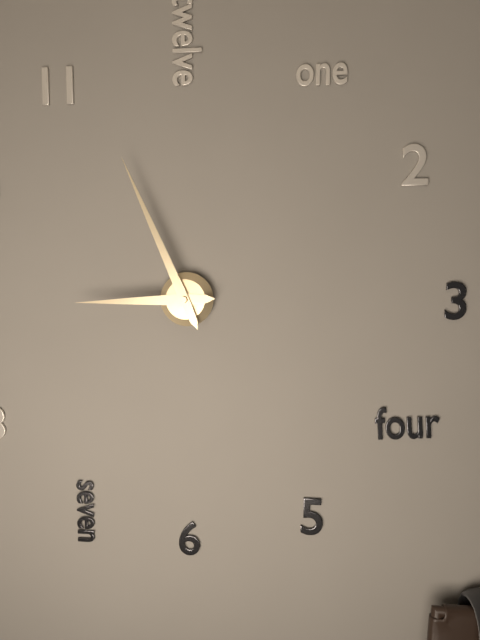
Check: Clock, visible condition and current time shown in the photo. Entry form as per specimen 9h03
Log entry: 8h56
